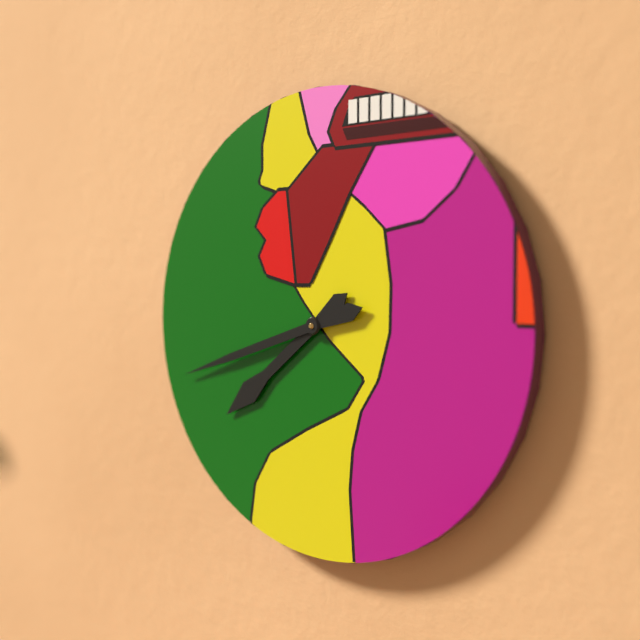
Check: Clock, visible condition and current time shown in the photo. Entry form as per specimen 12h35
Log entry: 7h42
